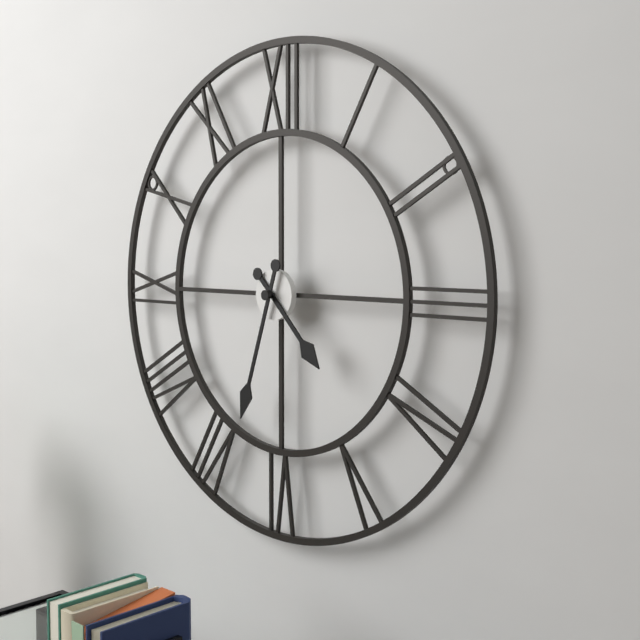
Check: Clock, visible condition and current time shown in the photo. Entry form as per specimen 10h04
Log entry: 4h33
